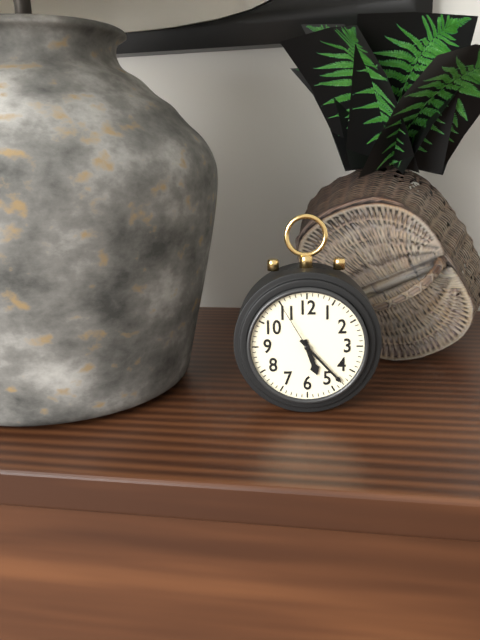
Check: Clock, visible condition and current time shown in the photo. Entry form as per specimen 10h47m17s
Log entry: 5h23m55s
